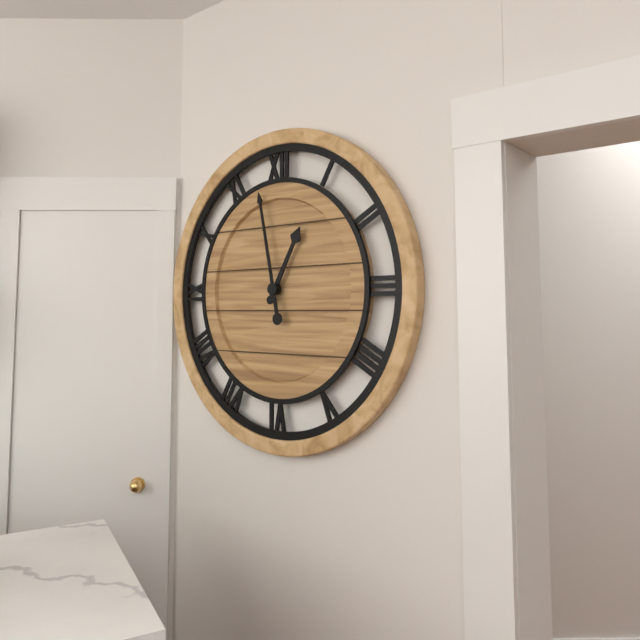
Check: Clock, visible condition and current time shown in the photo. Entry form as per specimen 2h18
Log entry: 12h58
